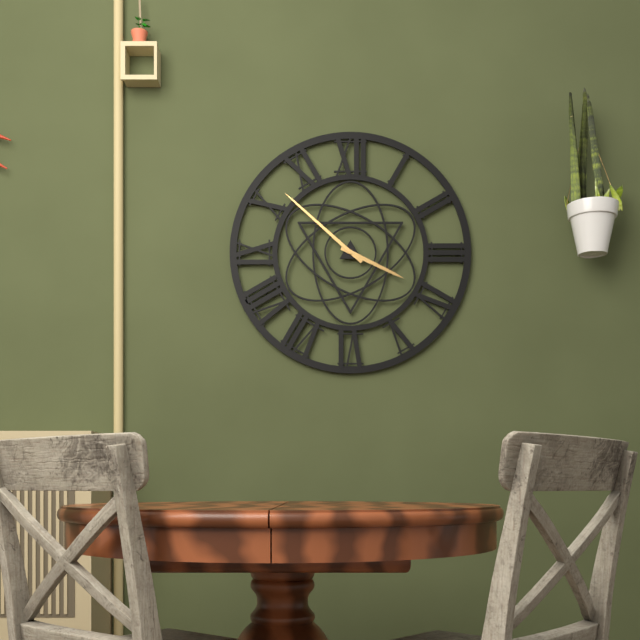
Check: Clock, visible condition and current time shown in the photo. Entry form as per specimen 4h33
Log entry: 3h52
